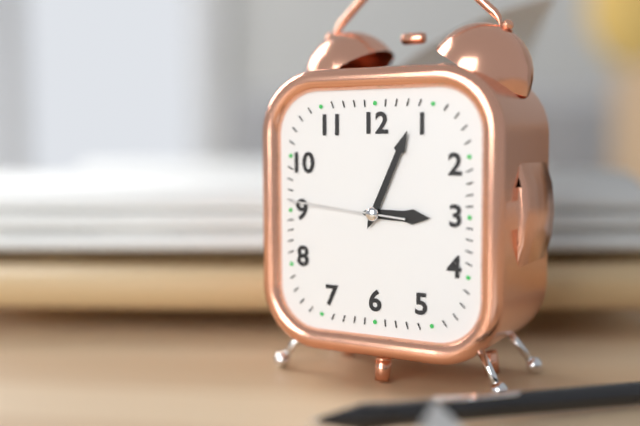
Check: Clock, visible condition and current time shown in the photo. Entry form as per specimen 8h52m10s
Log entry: 3h04m46s
